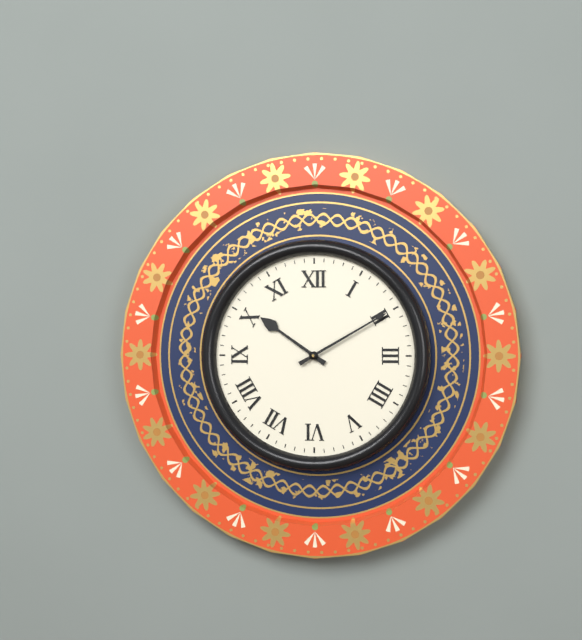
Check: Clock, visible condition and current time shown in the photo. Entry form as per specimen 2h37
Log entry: 10h10
